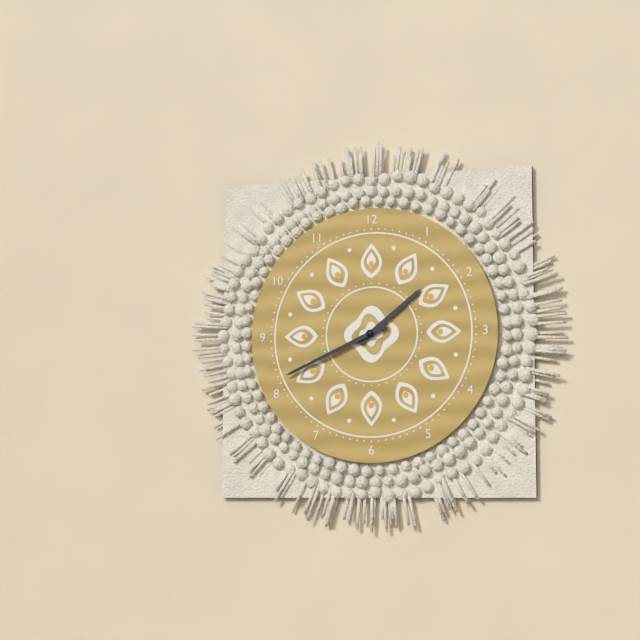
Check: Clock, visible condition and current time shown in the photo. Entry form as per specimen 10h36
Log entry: 1h41
